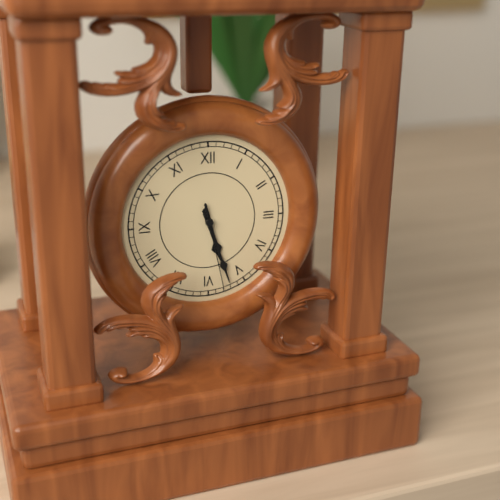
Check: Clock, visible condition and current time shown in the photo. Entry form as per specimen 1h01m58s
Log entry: 5h27m28s
